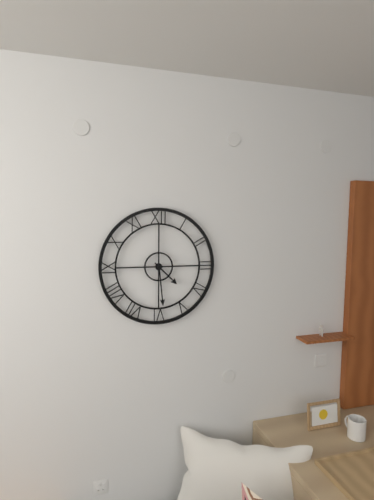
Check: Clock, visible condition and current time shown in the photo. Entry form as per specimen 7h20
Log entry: 4h29
